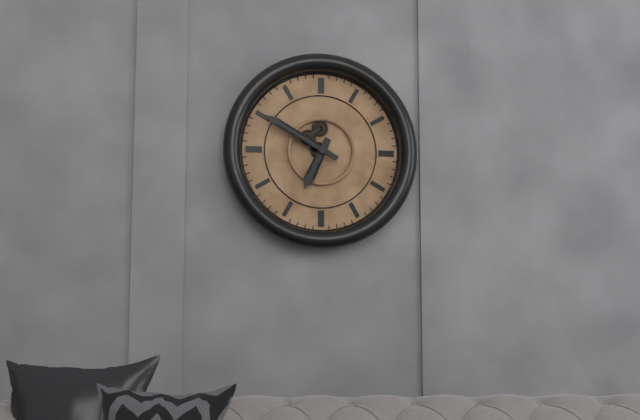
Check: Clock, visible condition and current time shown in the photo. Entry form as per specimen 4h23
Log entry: 6h50
